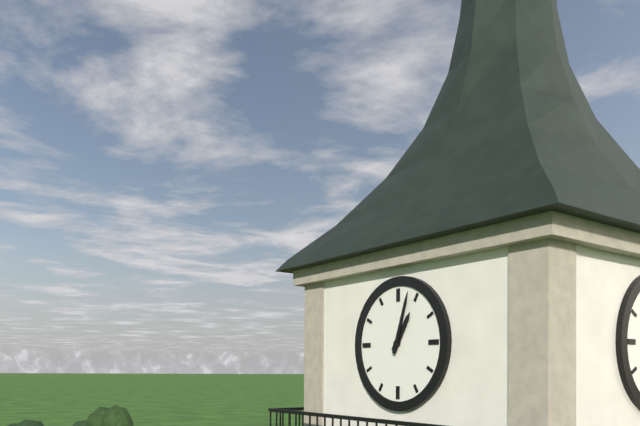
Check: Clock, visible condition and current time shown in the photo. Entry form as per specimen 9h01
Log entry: 1h03
